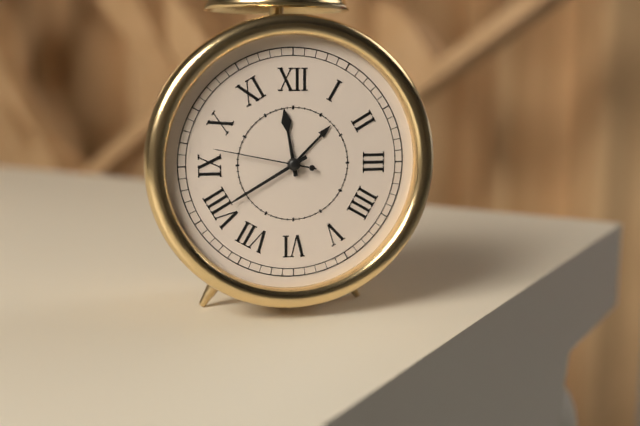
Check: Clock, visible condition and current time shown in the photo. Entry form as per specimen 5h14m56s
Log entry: 11h40m47s
